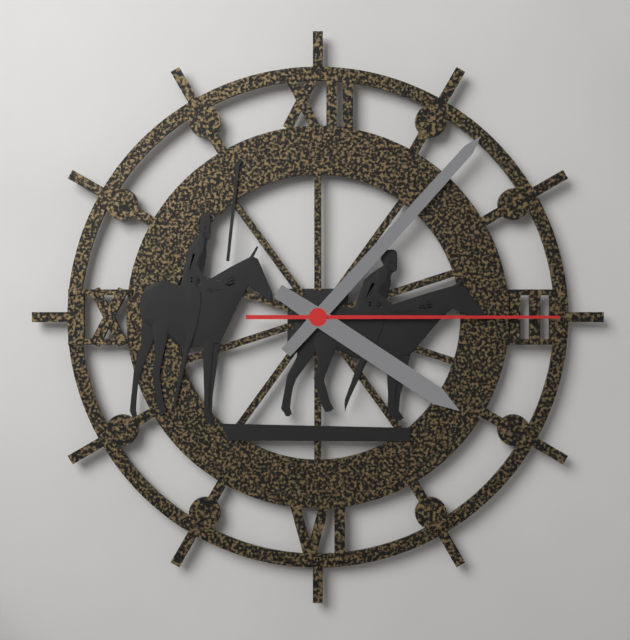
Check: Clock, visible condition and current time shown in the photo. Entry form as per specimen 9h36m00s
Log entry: 4h07m15s
